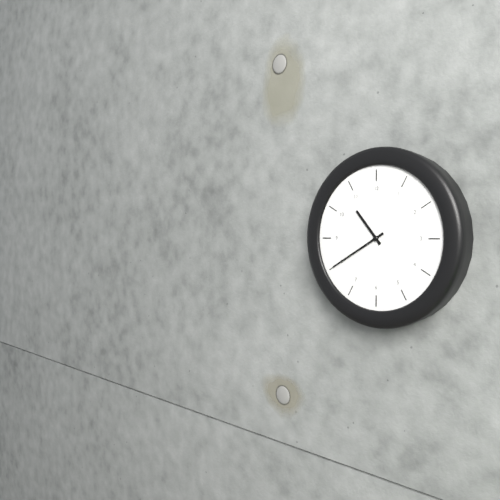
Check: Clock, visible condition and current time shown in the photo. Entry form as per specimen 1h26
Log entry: 10h40
